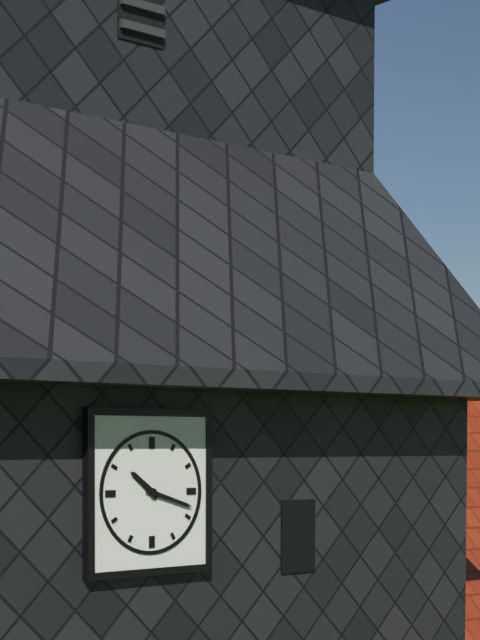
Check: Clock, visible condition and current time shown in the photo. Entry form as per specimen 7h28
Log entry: 10h18
